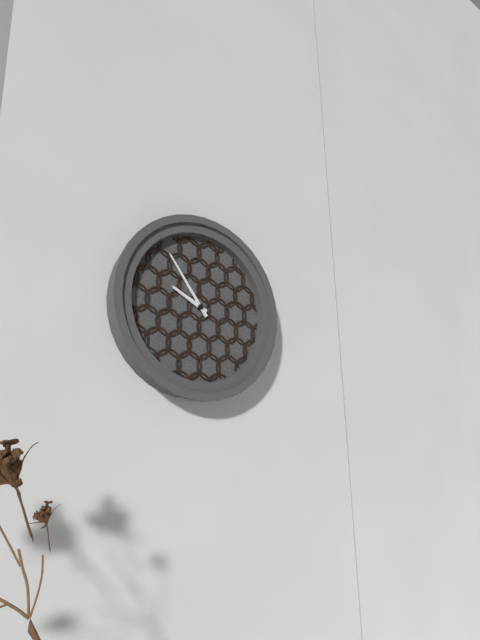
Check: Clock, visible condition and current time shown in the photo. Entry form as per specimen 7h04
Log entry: 9h54
